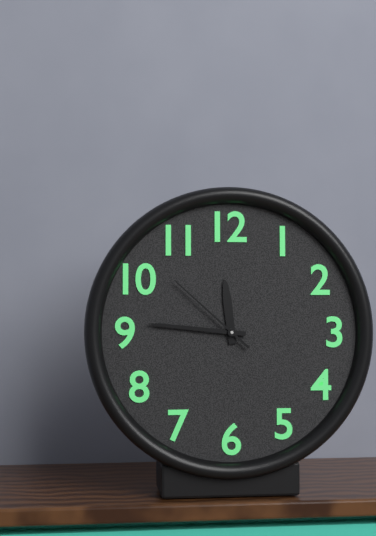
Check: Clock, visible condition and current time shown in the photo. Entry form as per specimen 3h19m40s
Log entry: 11h46m52s
